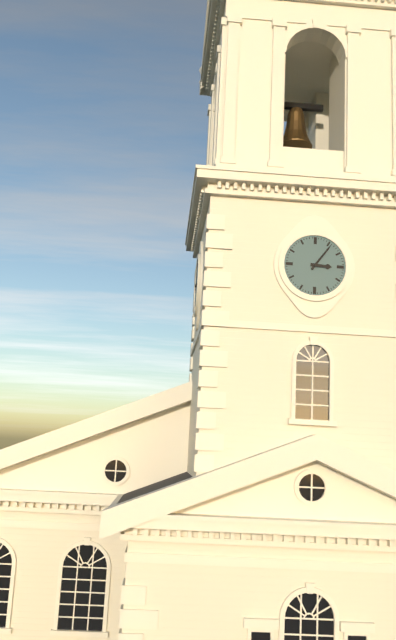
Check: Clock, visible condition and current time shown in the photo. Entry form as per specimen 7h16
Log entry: 3h06
